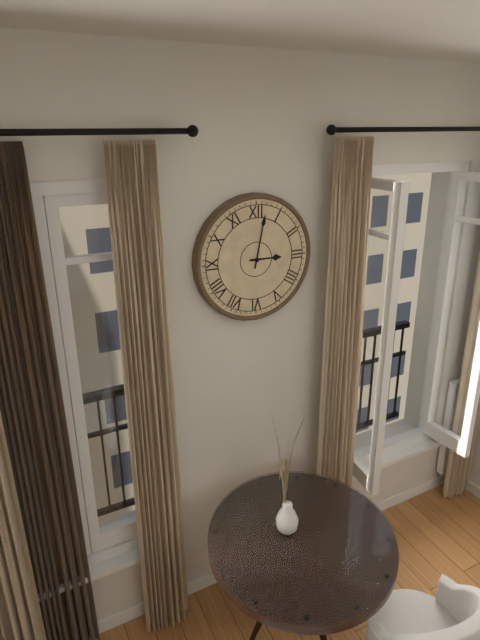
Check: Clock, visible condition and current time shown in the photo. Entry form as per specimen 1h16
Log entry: 3h02
